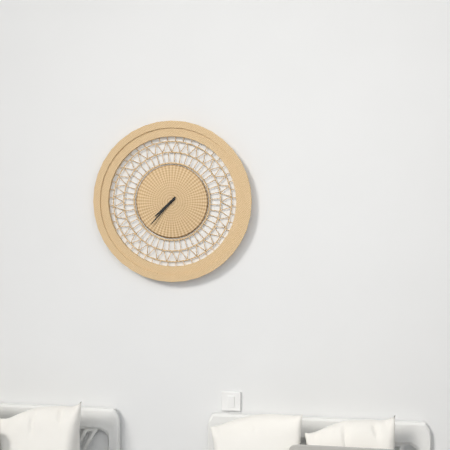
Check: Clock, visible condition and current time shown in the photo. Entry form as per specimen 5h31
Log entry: 7h37
